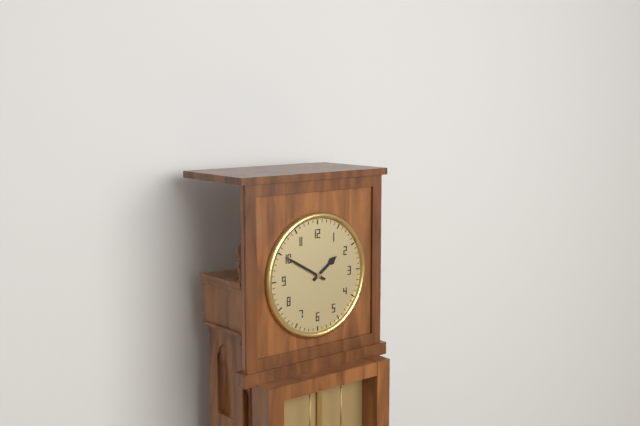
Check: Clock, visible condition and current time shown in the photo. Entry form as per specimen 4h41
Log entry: 1h50
